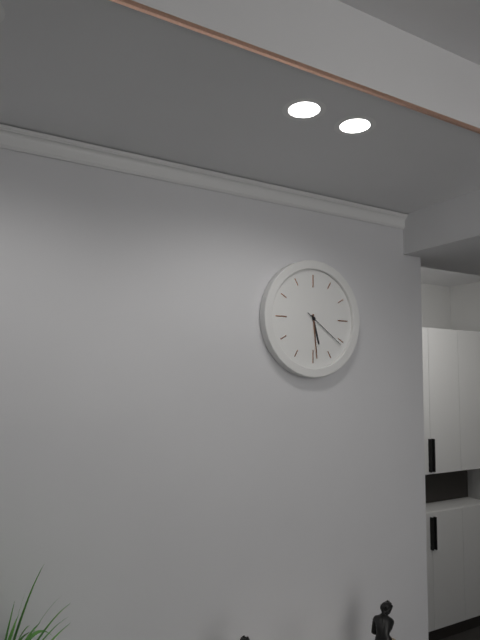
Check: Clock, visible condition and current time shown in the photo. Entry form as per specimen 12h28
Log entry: 5h29
